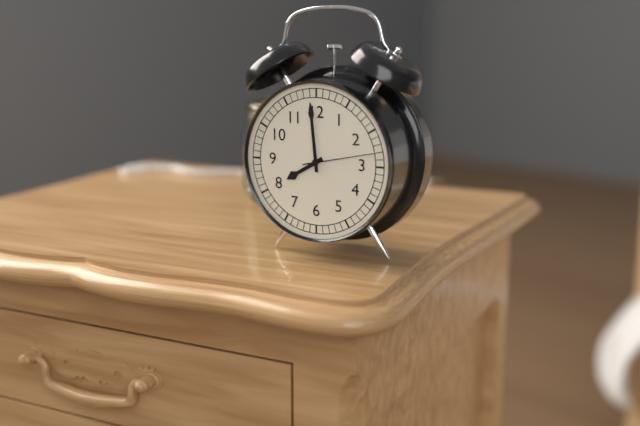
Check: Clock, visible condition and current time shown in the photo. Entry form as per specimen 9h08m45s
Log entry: 7h59m13s
